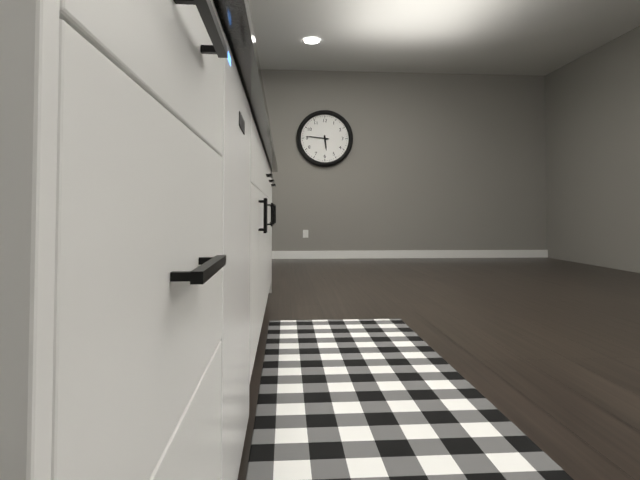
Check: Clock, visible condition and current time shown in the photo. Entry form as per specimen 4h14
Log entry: 5h46
